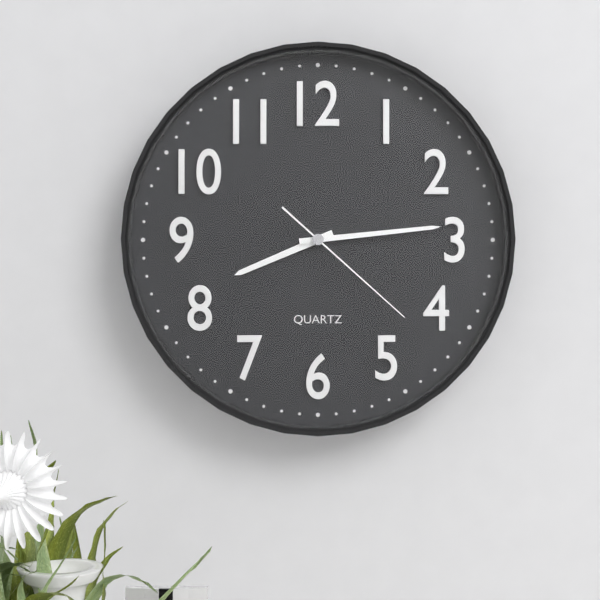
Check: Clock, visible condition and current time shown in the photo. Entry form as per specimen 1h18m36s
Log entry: 8h14m22s
